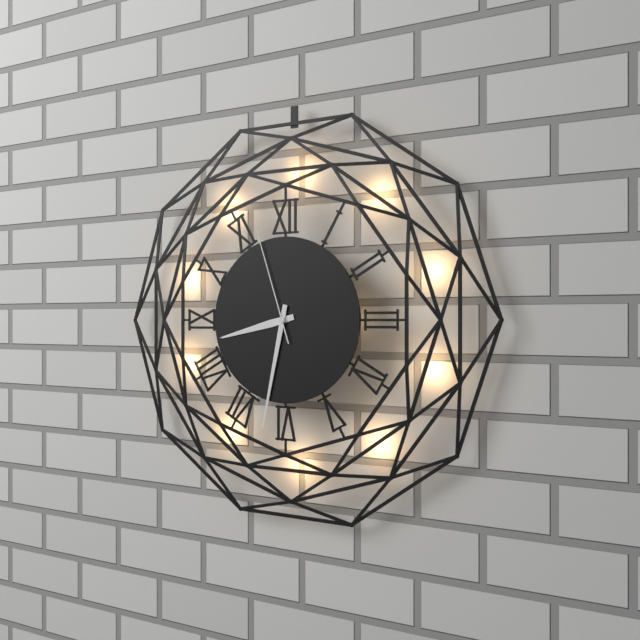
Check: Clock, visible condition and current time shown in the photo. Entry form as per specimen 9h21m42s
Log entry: 8h32m57s
